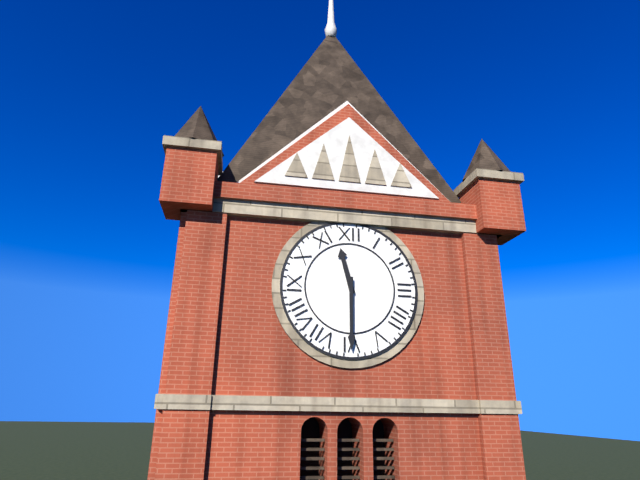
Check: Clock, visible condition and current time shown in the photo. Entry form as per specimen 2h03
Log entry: 11h30
